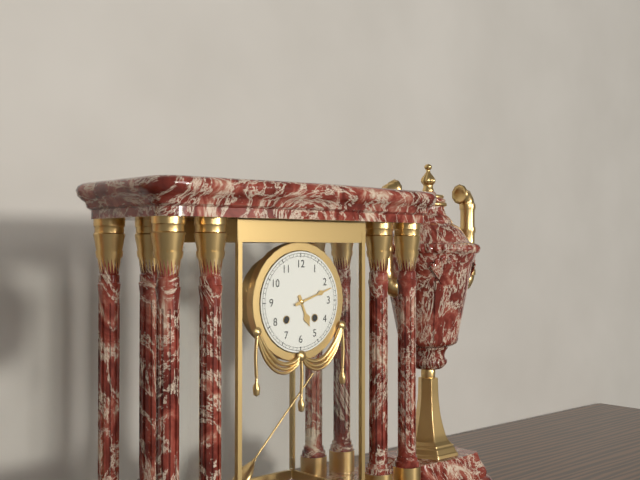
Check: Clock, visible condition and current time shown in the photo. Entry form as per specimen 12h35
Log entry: 5h12
